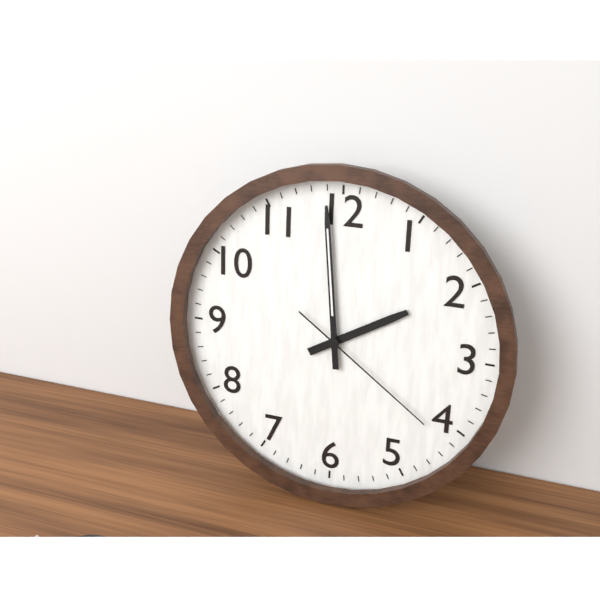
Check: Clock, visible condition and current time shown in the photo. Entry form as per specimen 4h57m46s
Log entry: 1h59m21s
